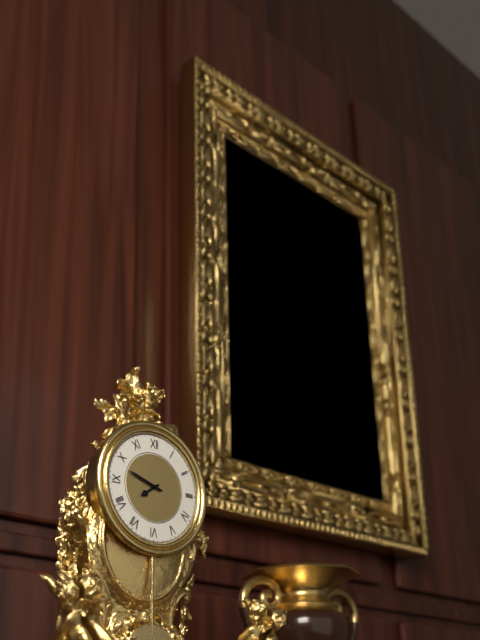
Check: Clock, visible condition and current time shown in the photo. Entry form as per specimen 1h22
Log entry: 7h48
